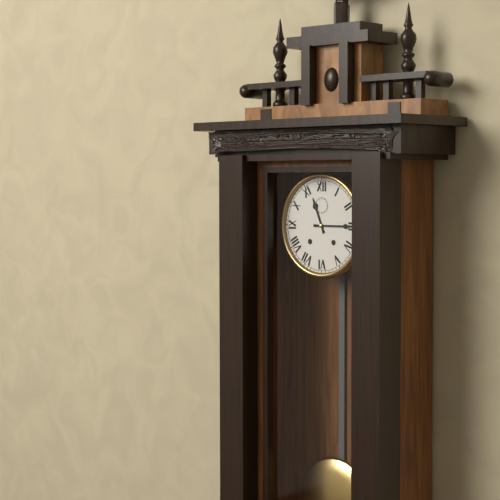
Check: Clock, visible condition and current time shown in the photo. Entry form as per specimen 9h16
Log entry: 11h15
